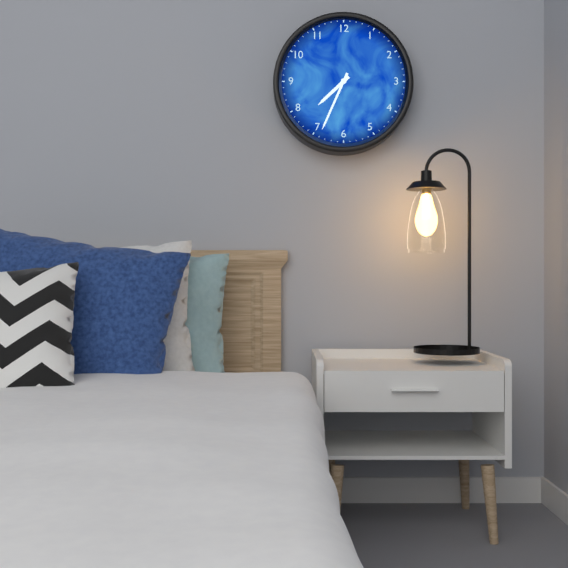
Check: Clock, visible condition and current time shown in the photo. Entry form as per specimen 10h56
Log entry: 7h34
